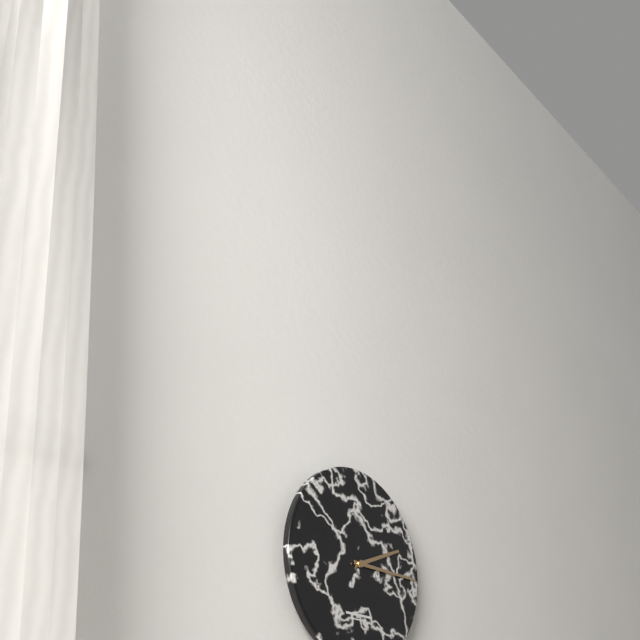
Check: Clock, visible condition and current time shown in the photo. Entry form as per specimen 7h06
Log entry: 2h15
